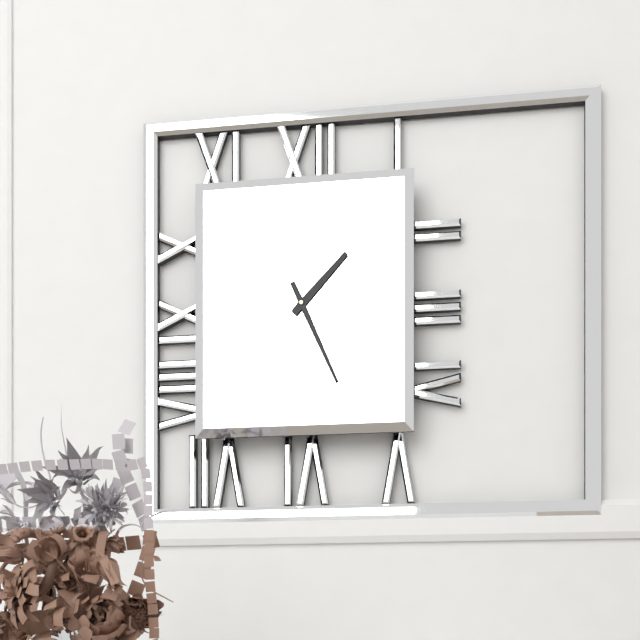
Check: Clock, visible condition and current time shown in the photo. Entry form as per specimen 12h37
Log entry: 1h26
